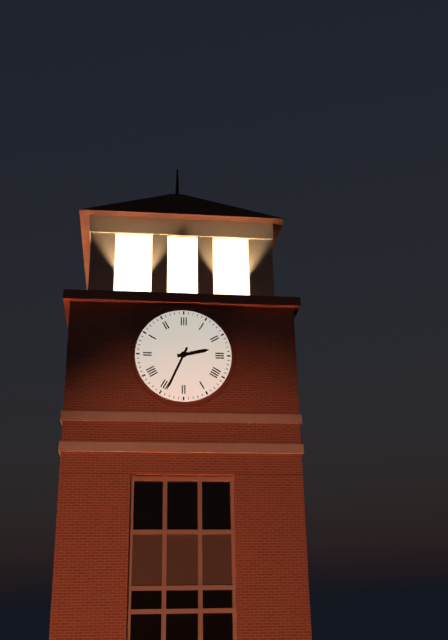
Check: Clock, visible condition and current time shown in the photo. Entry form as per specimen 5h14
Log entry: 2h34
